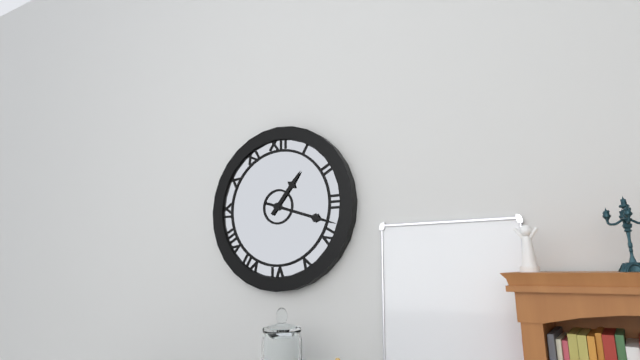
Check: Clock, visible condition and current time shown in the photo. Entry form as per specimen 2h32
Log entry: 1h18
